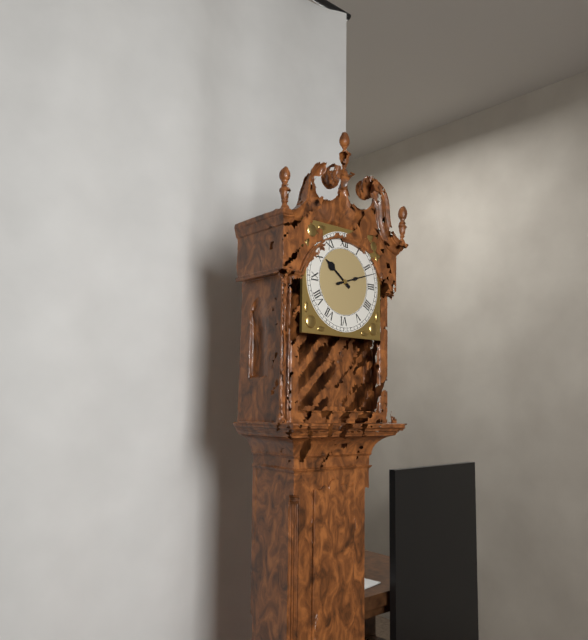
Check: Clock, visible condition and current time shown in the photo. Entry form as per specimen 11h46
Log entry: 10h12
